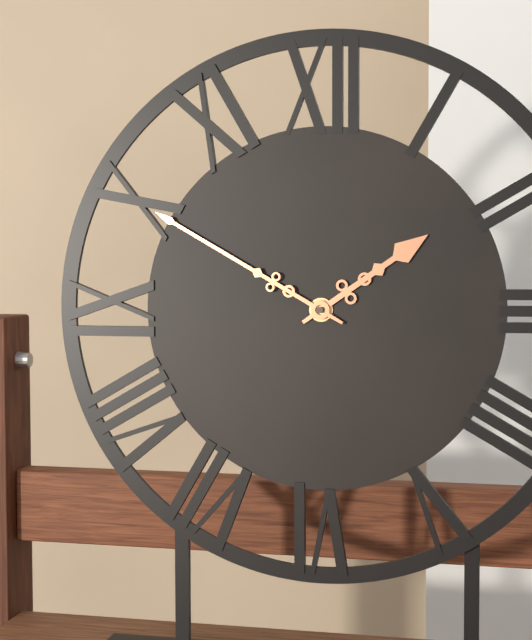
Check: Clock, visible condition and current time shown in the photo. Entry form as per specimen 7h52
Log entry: 1h50
